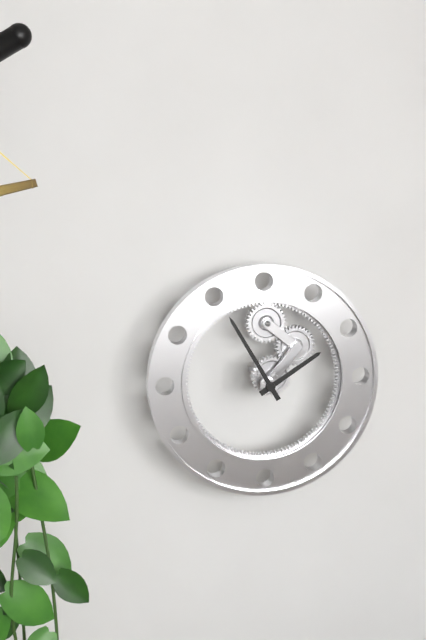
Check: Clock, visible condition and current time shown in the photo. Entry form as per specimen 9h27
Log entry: 1h55
